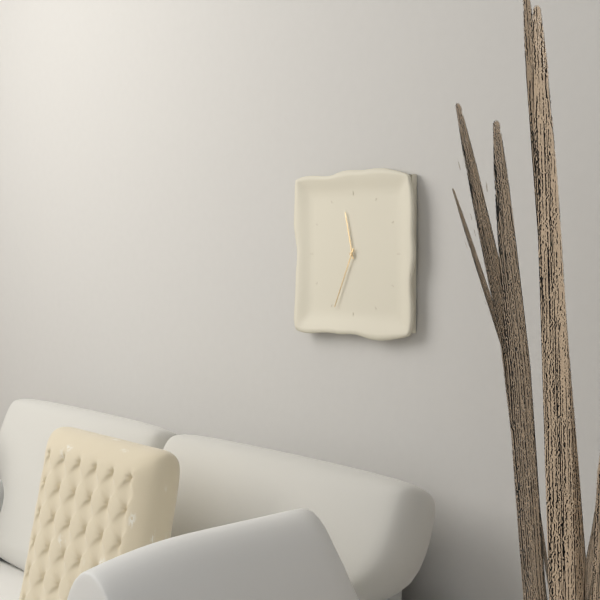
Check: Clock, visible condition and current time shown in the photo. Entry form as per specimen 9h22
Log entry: 11h34
